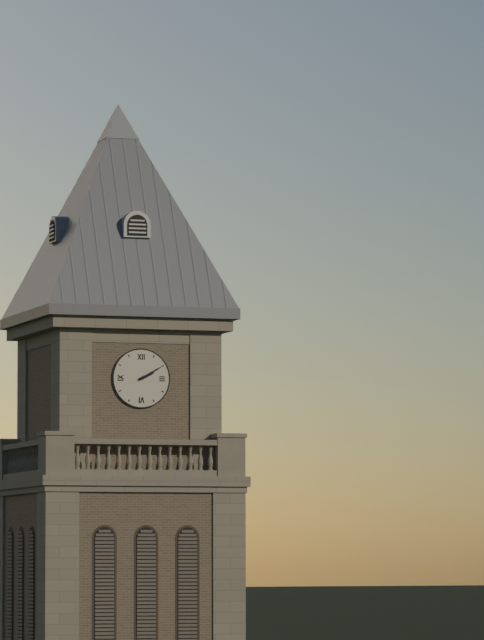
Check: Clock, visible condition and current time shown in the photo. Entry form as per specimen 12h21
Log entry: 2h10
